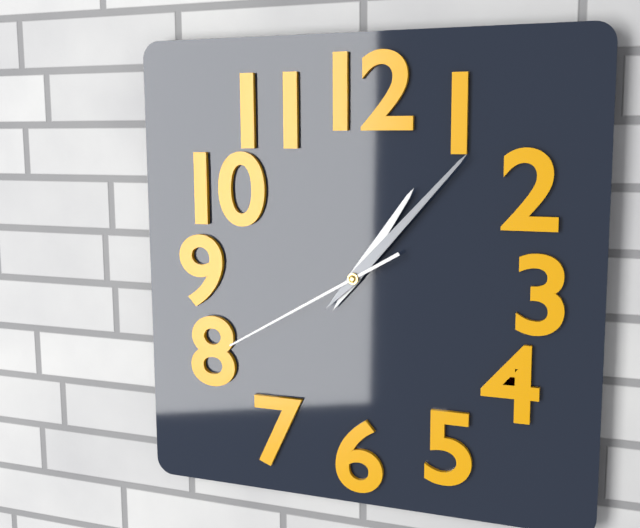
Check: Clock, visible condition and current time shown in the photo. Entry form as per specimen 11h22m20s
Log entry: 1h07m40s
